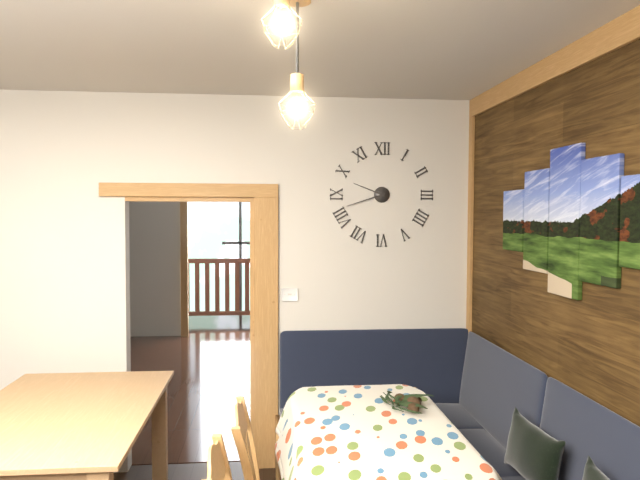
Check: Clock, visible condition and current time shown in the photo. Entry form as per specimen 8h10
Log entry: 9h42
